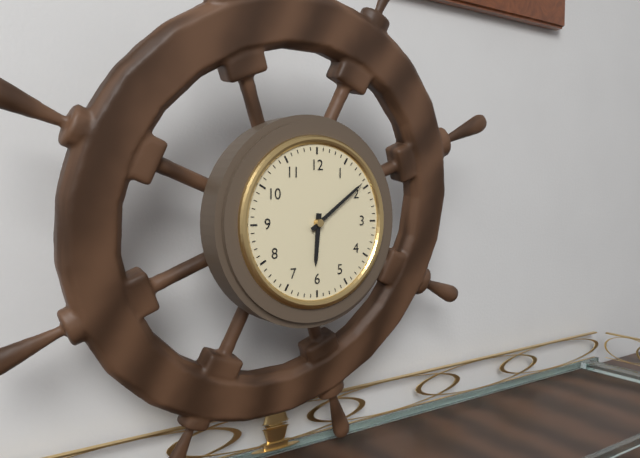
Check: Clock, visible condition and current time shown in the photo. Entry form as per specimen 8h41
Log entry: 6h09
